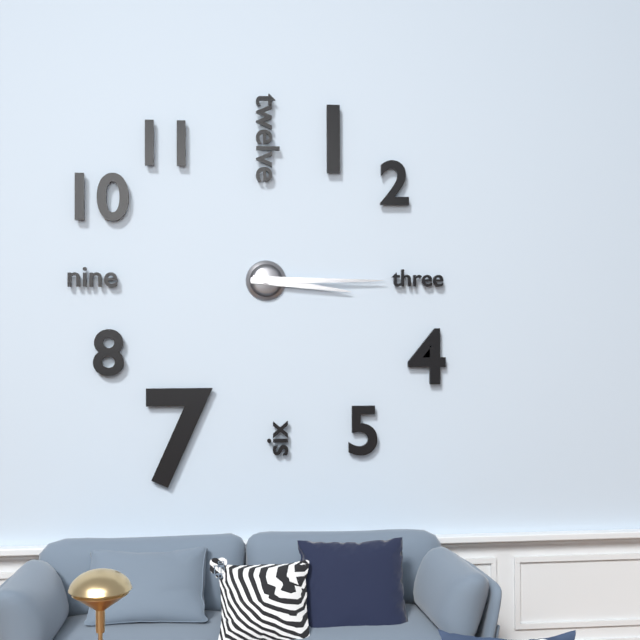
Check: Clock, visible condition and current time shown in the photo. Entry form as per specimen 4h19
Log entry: 3h15
